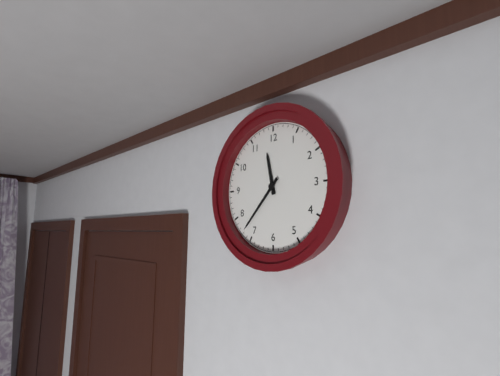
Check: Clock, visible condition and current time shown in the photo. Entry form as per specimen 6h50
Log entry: 11h37
